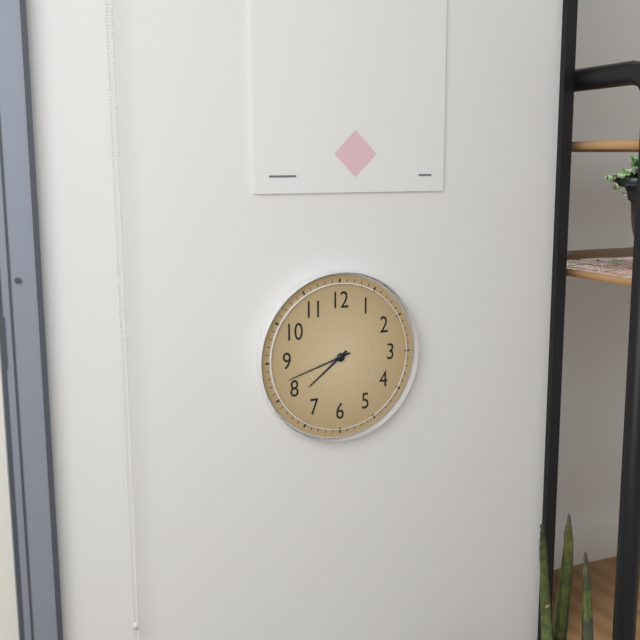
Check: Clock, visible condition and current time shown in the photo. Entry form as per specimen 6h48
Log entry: 7h42
